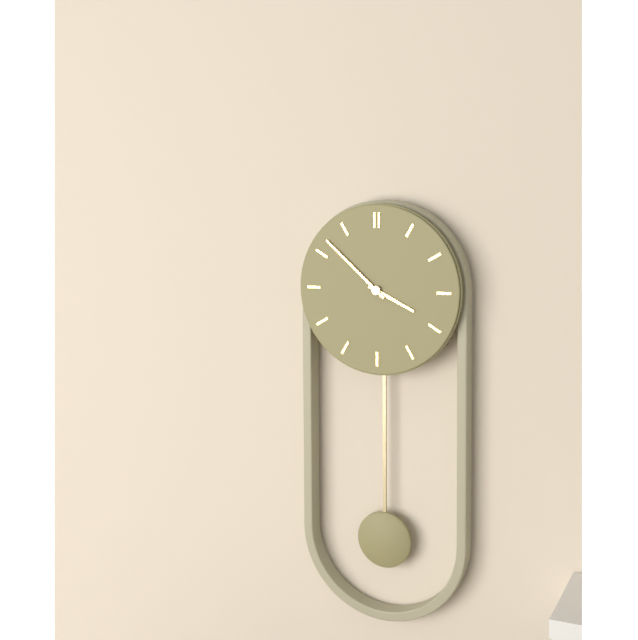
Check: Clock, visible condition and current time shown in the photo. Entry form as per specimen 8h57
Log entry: 3h52
